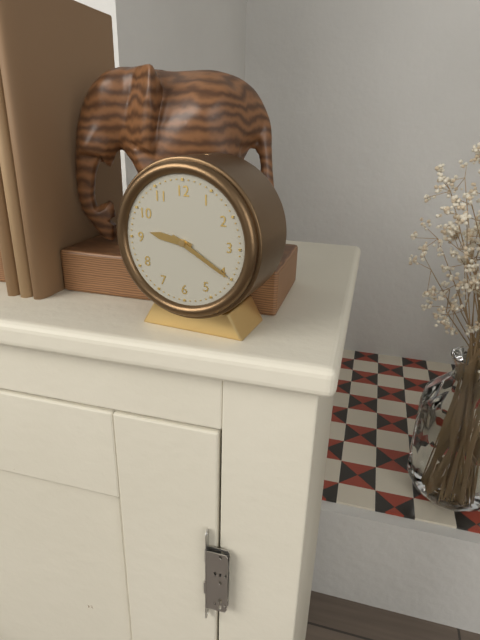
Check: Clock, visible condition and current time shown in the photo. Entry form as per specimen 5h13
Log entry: 9h20
